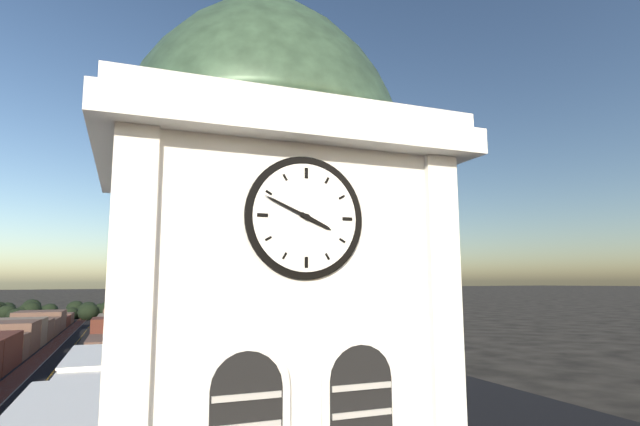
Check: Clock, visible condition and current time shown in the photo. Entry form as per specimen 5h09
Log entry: 3h49
